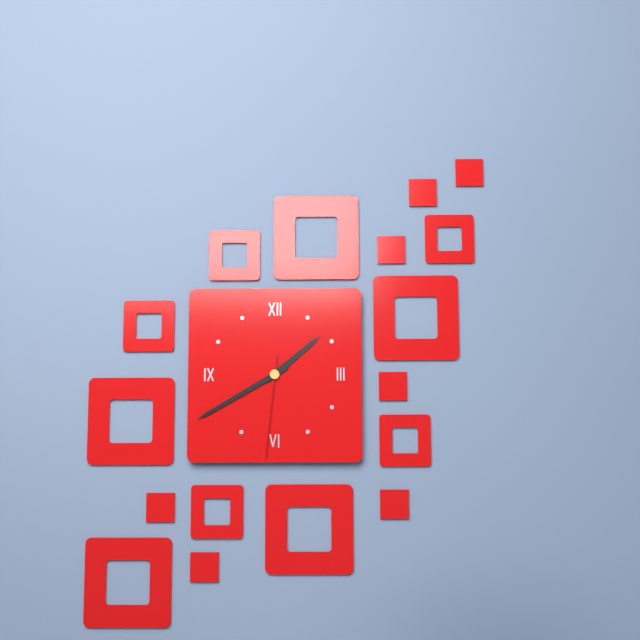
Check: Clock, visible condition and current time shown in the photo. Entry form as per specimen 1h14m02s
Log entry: 1h40m31s
